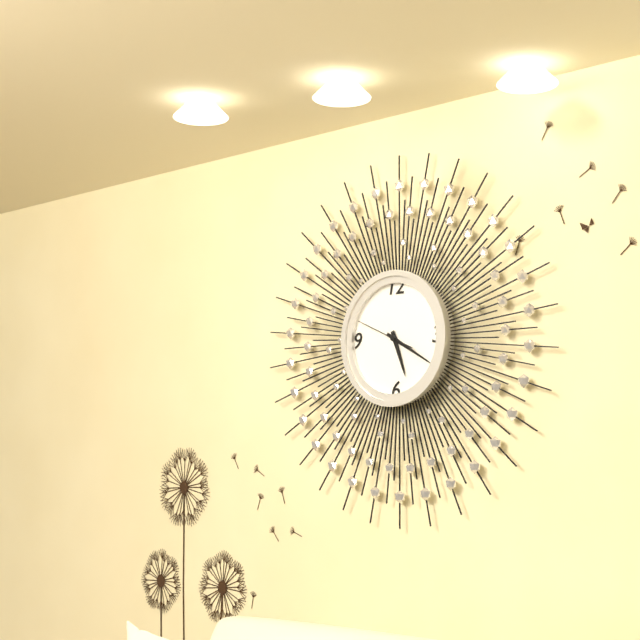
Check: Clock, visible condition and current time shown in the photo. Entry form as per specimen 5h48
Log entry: 5h20
